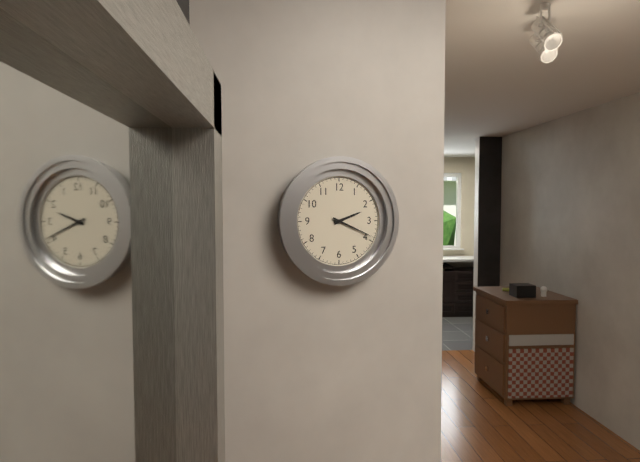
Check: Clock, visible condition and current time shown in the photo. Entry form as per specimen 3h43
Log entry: 2h19
